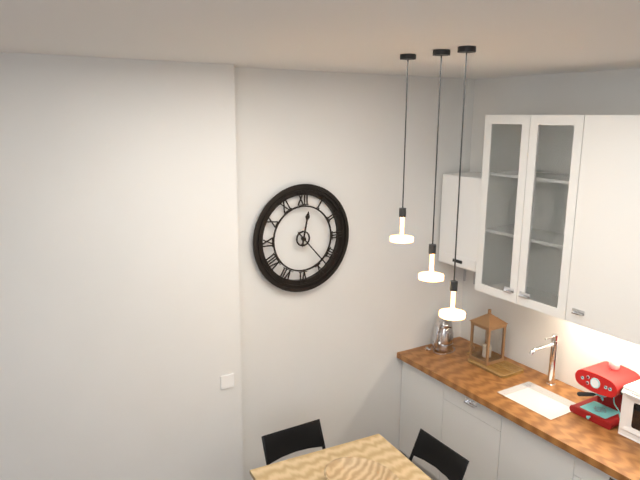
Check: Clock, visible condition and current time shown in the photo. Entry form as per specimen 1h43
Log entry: 12h23
